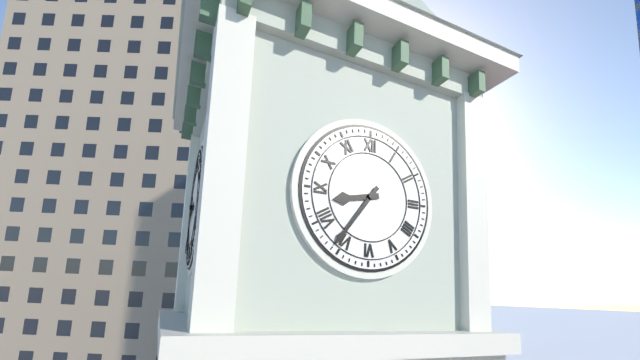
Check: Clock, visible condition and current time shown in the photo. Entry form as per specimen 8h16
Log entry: 8h36
